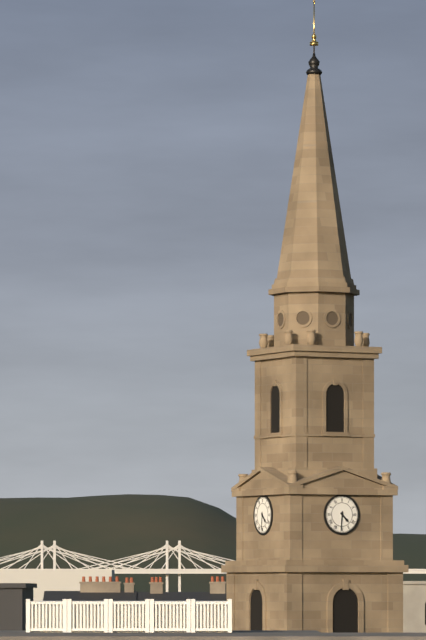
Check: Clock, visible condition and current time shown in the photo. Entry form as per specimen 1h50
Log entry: 4h31
